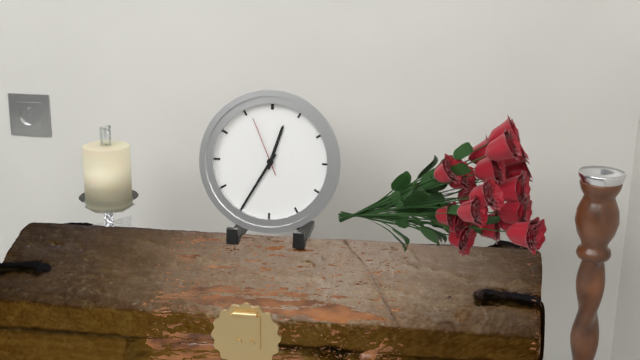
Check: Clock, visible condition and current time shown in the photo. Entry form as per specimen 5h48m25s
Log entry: 12h35m56s
